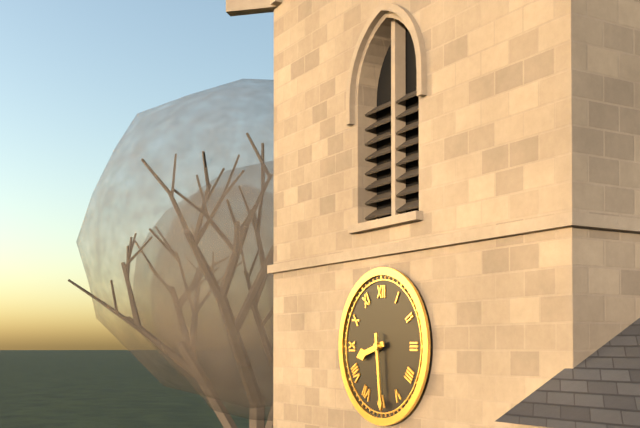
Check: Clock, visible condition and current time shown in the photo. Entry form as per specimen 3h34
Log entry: 8h29
